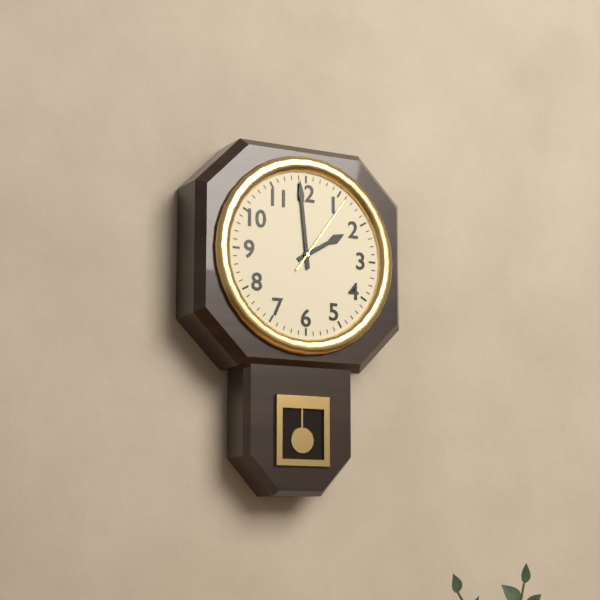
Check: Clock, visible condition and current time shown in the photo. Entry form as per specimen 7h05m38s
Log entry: 1h59m06s
